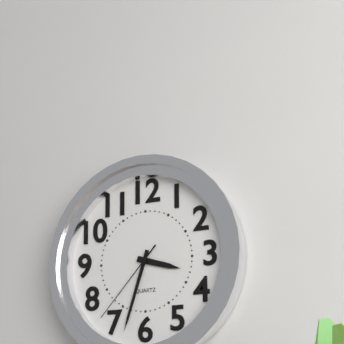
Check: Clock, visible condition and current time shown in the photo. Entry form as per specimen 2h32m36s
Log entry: 3h33m37s
